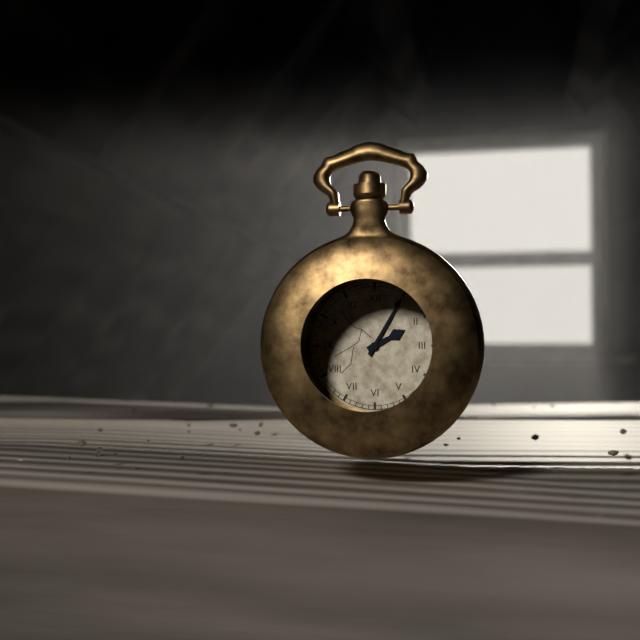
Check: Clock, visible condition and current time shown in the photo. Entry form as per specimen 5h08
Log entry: 2h05
